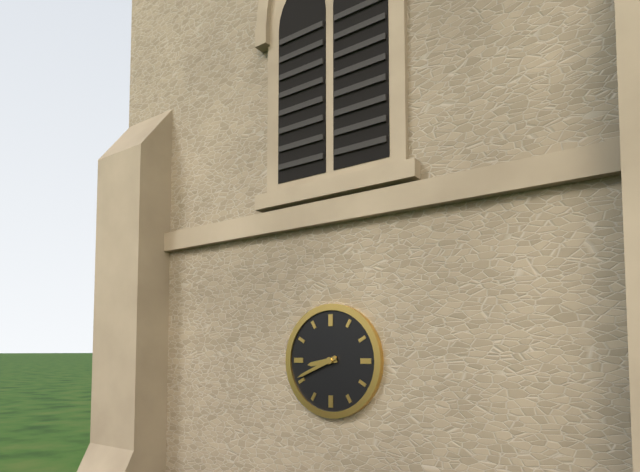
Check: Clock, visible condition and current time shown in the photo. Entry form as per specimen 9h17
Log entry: 8h41
